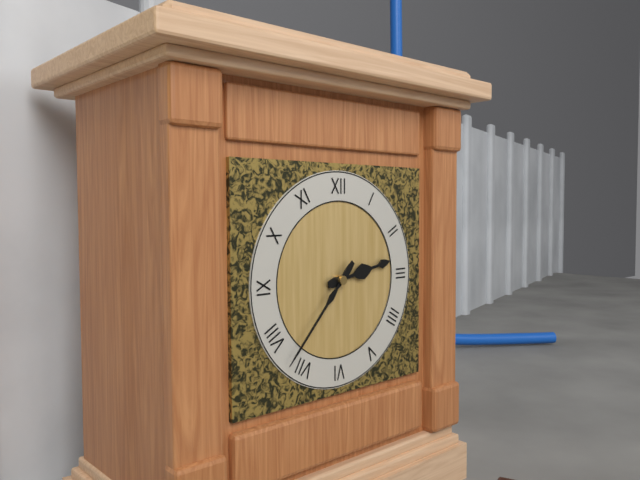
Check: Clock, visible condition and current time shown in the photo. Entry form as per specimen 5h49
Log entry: 2h37
